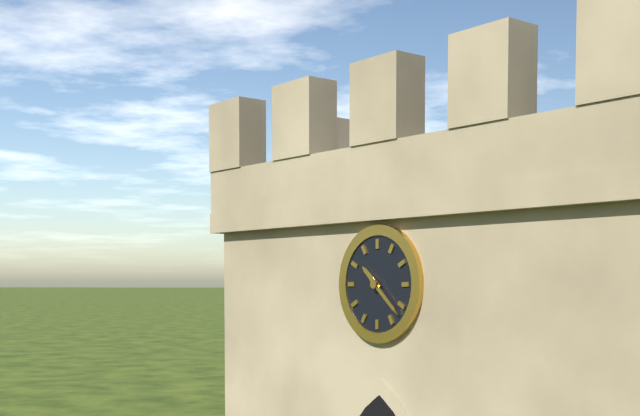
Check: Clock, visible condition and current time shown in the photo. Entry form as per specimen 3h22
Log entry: 10h22
